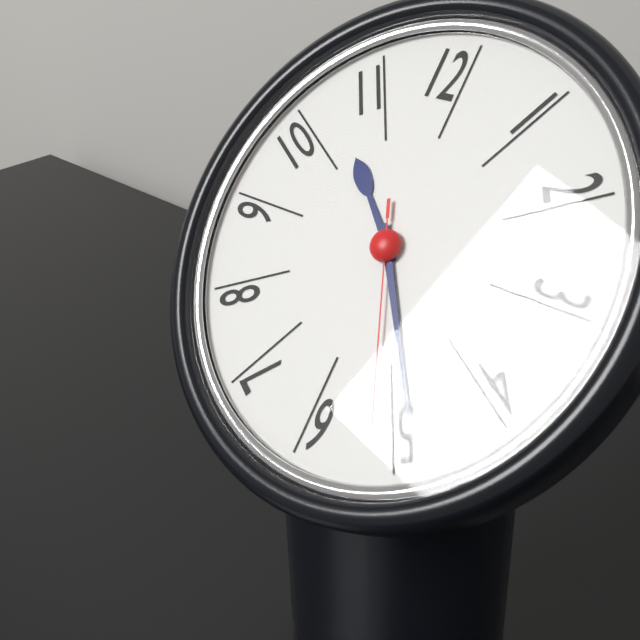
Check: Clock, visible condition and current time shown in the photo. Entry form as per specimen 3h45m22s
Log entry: 10h24m26s
